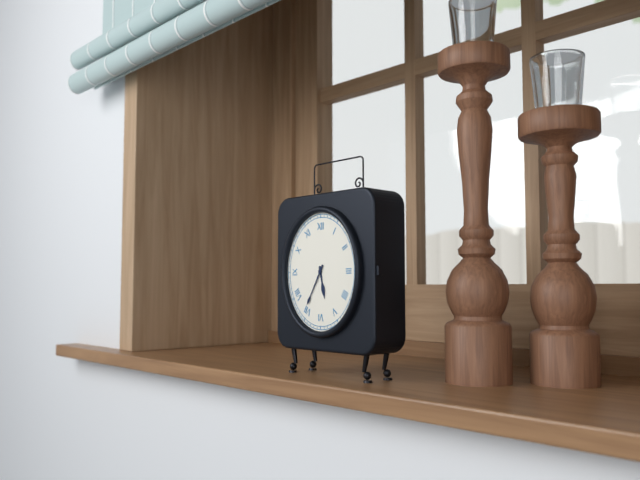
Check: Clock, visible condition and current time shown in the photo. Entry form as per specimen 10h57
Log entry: 5h35
